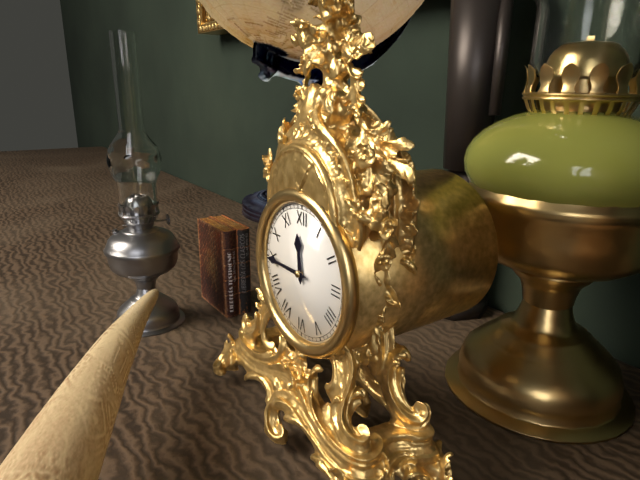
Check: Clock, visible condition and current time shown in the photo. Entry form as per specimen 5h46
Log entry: 11h45
